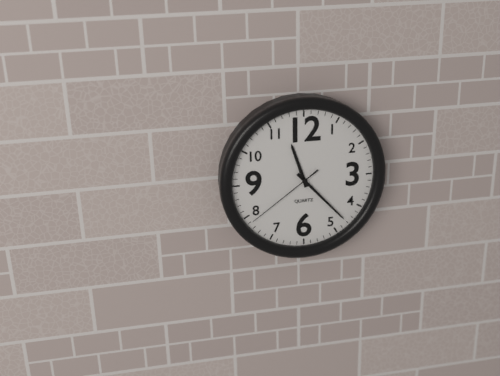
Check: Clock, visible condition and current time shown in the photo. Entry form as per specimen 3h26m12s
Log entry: 11h23m39s
